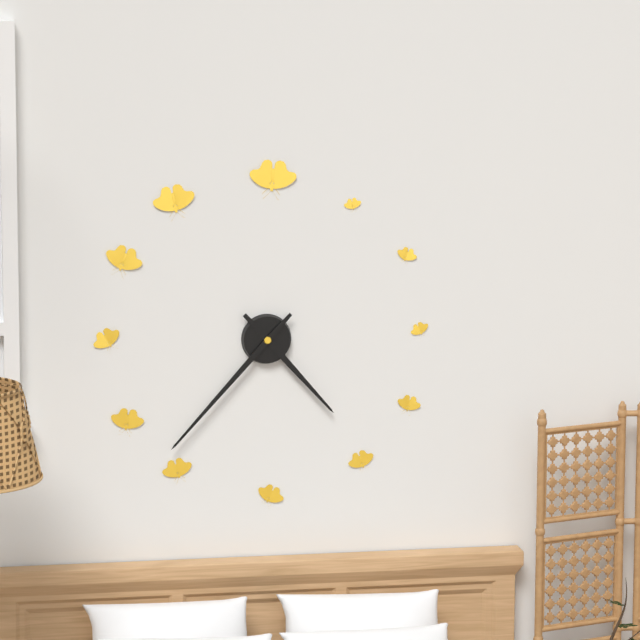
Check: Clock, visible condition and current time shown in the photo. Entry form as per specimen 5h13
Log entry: 4h37
